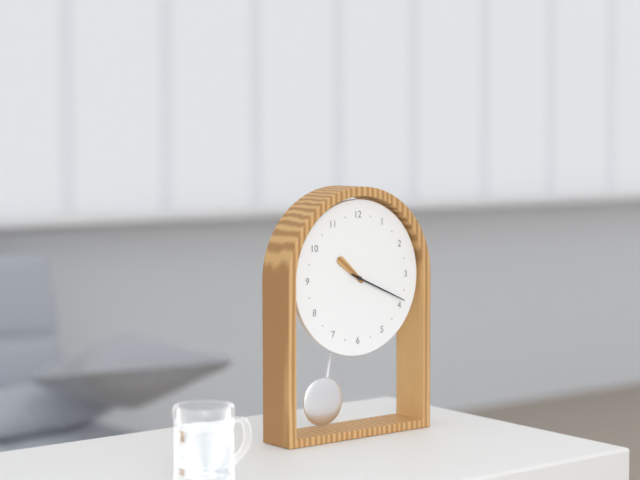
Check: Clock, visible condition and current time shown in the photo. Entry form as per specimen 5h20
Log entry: 10h19
